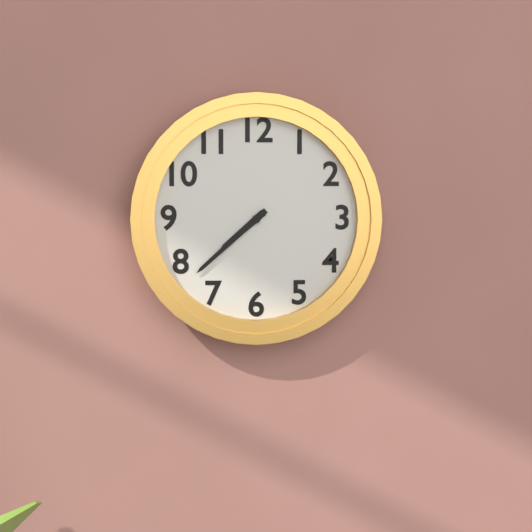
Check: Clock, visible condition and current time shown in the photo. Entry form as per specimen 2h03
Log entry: 7h38
